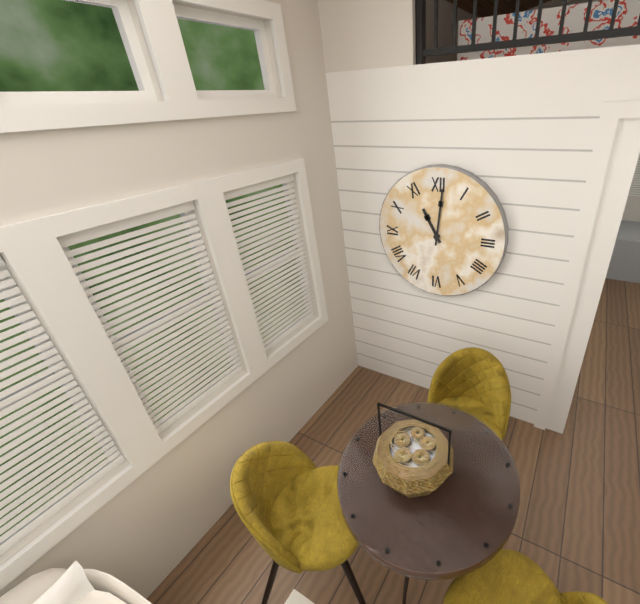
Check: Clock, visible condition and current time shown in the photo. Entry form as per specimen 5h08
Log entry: 11h01
